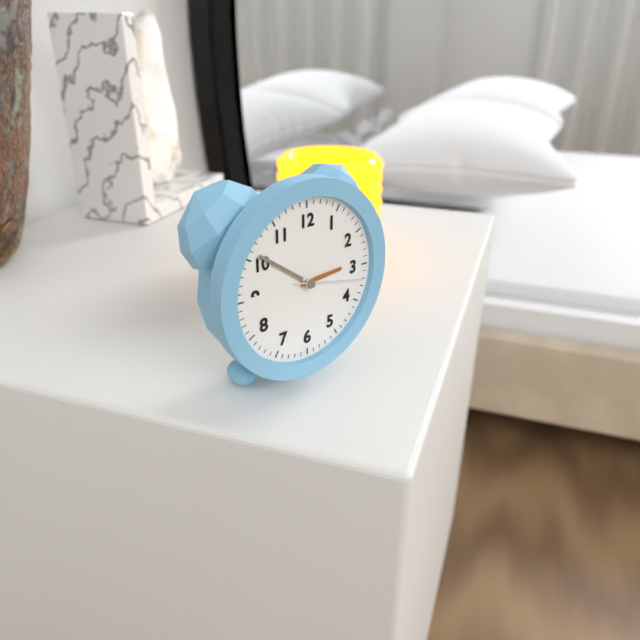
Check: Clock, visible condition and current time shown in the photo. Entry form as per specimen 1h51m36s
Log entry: 2h51m17s
